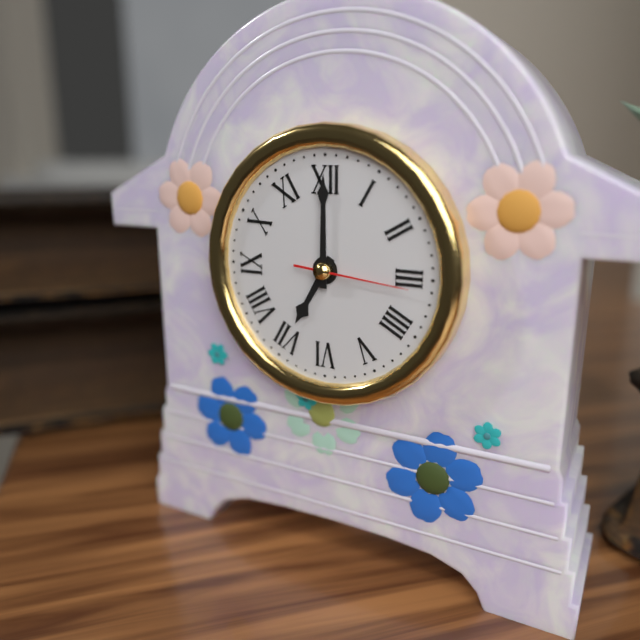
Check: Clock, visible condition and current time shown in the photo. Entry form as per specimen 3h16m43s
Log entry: 7h00m16s
